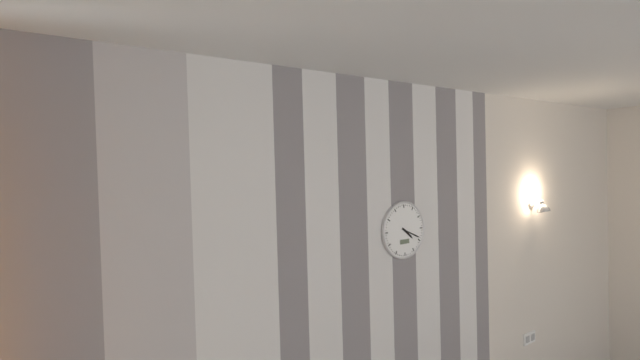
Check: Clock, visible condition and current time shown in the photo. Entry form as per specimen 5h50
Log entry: 4h19
